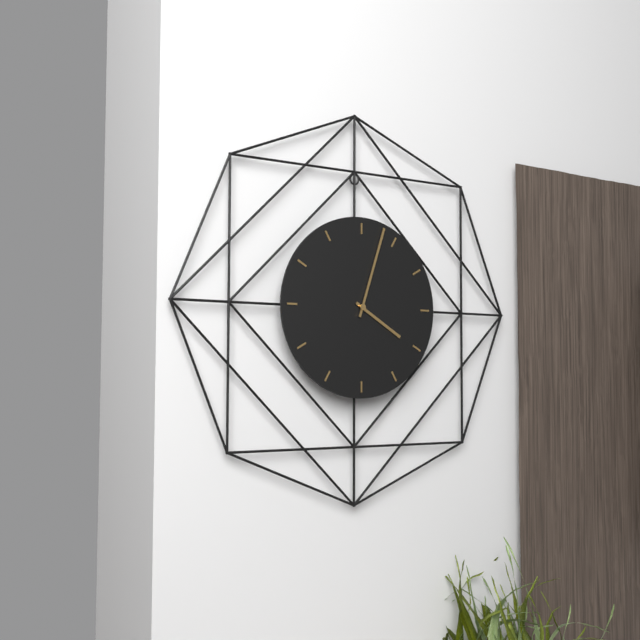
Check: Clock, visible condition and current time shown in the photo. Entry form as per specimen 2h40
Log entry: 4h03
